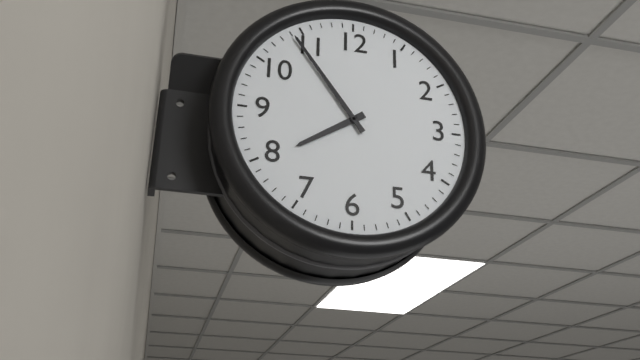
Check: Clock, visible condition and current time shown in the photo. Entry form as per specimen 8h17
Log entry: 7h54
